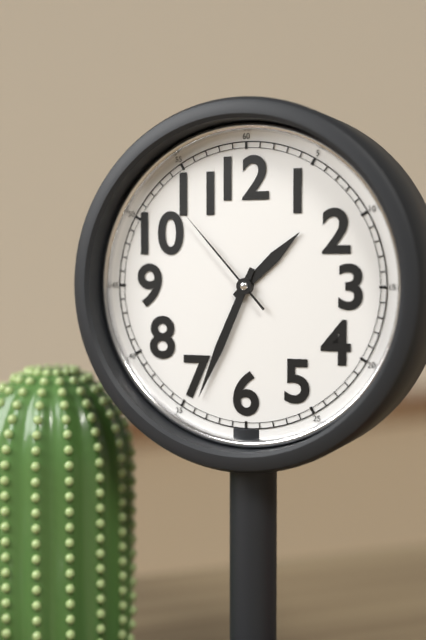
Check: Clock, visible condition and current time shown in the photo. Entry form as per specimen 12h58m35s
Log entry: 1h34m53s
